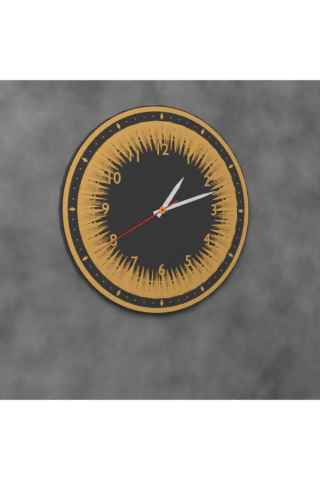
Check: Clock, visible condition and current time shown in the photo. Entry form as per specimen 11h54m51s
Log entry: 1h12m40s
